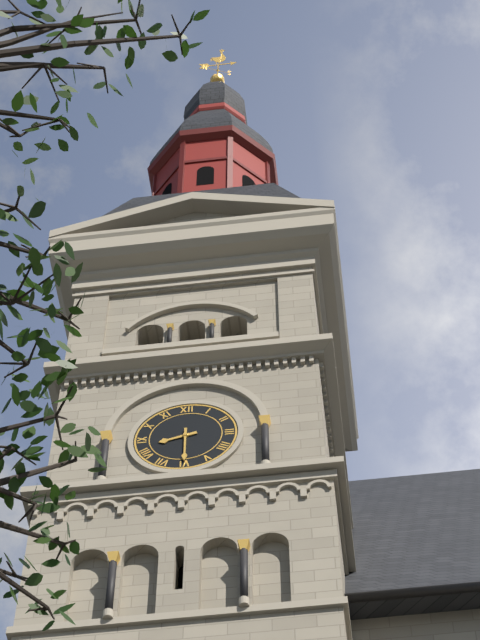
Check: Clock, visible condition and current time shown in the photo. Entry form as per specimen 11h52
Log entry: 8h30
